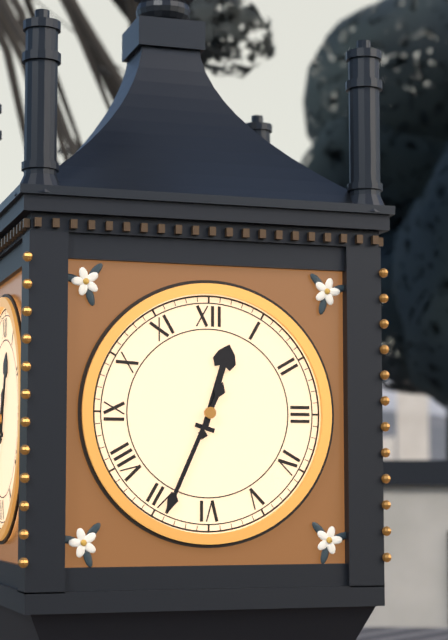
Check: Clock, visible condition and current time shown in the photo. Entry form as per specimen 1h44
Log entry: 12h34
